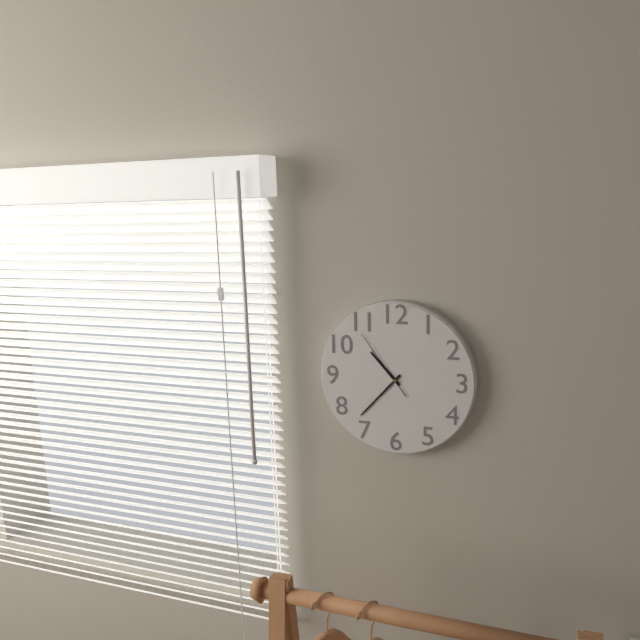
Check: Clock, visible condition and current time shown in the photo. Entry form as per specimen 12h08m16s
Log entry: 10h37m54s
